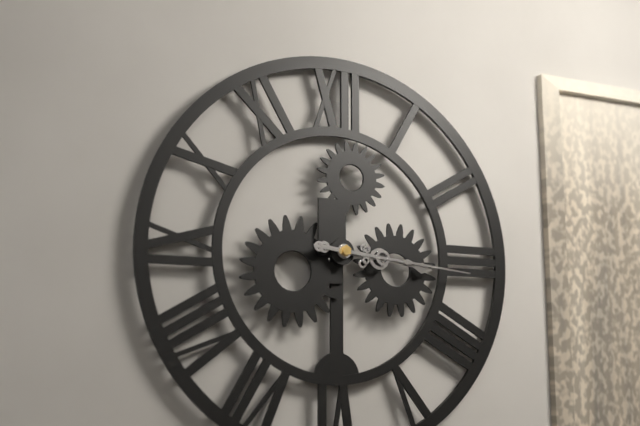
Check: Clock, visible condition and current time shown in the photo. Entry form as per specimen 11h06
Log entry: 3h16
